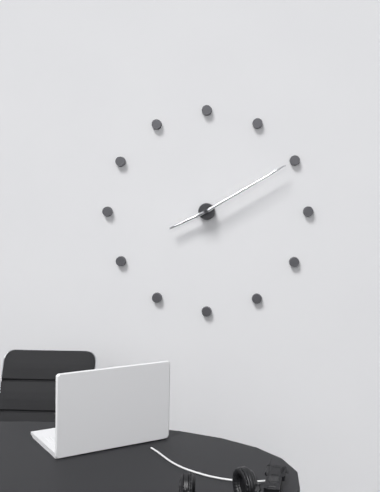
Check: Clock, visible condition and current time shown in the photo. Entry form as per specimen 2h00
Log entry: 8h10
